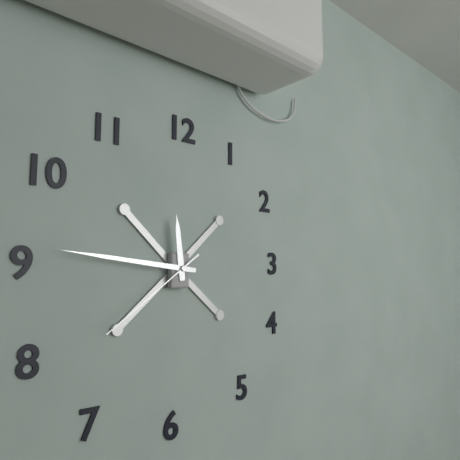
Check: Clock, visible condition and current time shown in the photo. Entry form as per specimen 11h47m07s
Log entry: 11h46m39s
